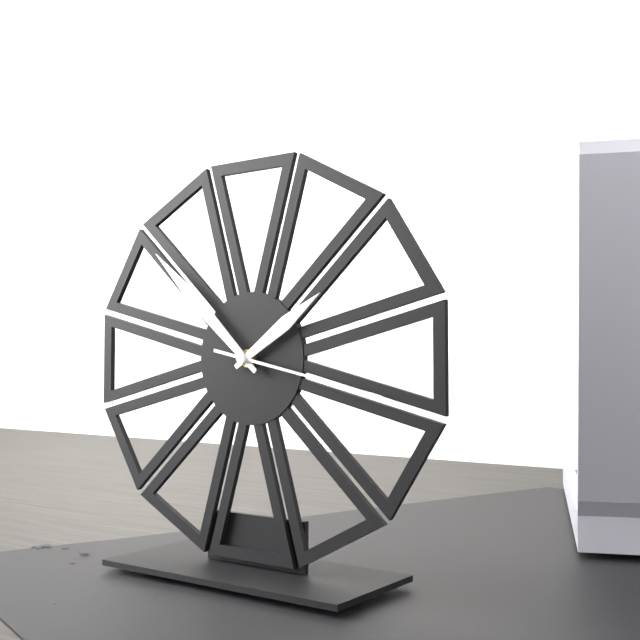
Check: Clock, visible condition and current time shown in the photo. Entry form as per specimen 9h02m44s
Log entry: 1h52m17s
